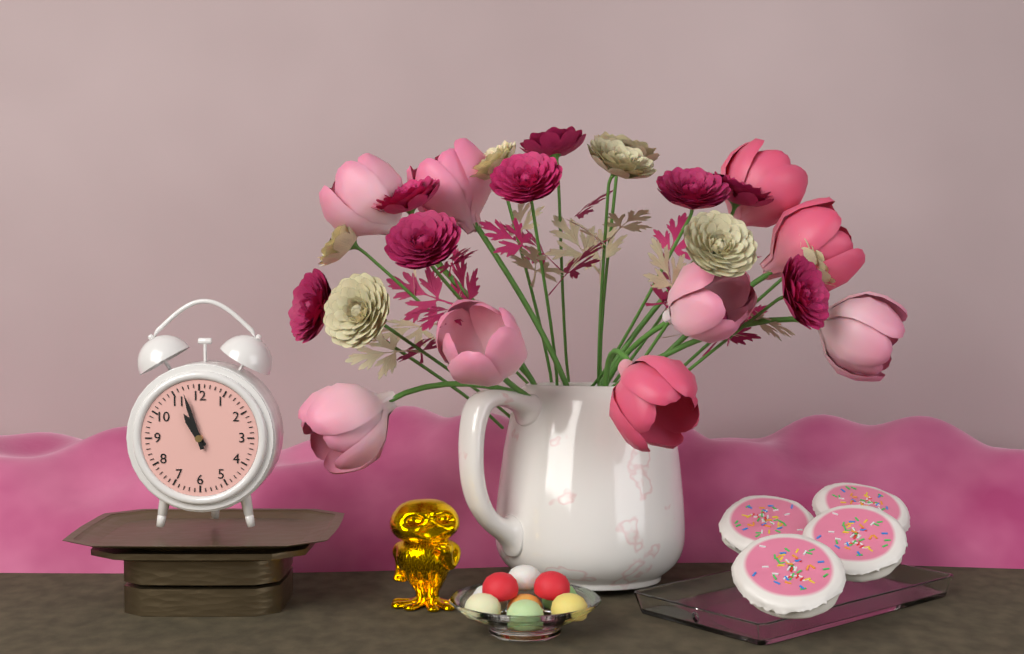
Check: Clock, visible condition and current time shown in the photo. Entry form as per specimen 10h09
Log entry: 10h57
